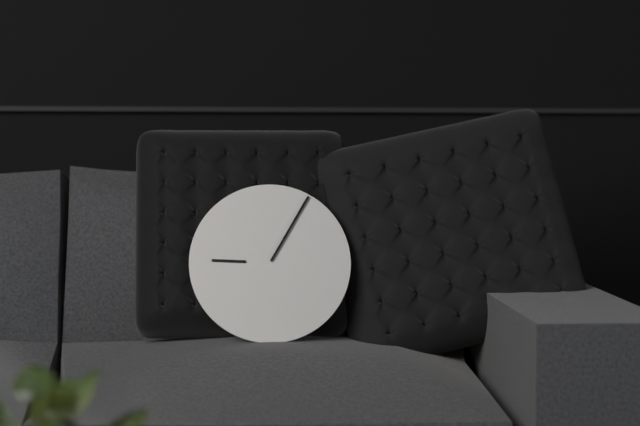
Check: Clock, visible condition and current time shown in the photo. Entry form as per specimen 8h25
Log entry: 9h05
